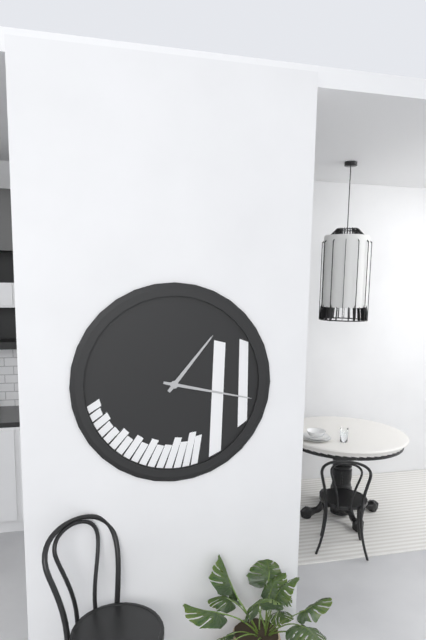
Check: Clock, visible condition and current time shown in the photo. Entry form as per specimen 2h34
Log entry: 1h17
